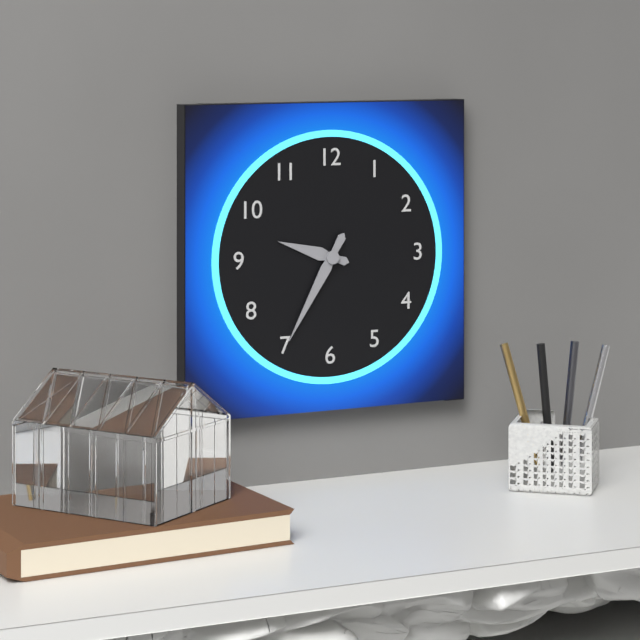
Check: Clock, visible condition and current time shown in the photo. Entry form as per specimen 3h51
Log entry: 9h35
